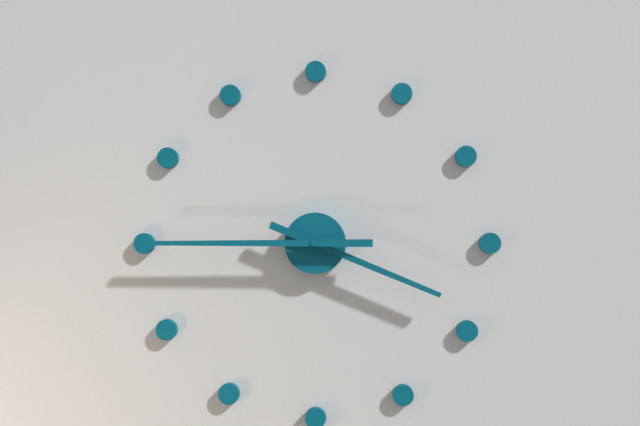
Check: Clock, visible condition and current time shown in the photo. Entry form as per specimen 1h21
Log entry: 3h45
